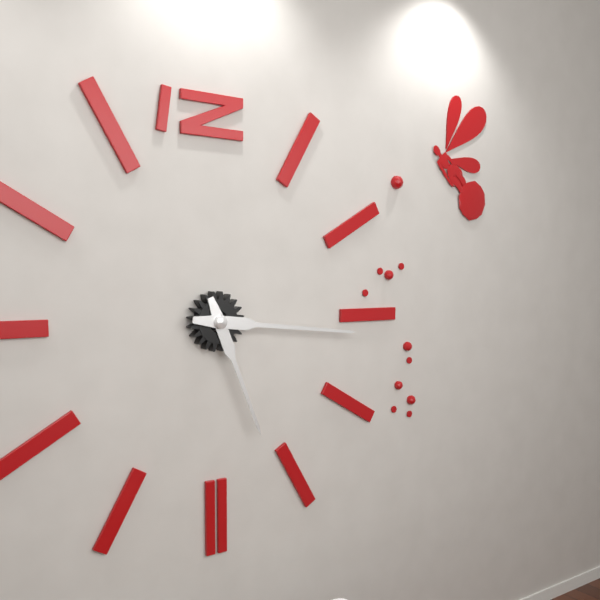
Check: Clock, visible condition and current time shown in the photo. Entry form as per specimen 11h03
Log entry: 5h16
